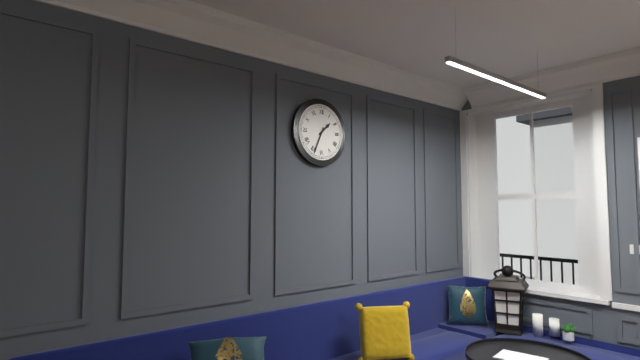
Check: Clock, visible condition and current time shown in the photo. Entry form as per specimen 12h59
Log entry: 1h34
